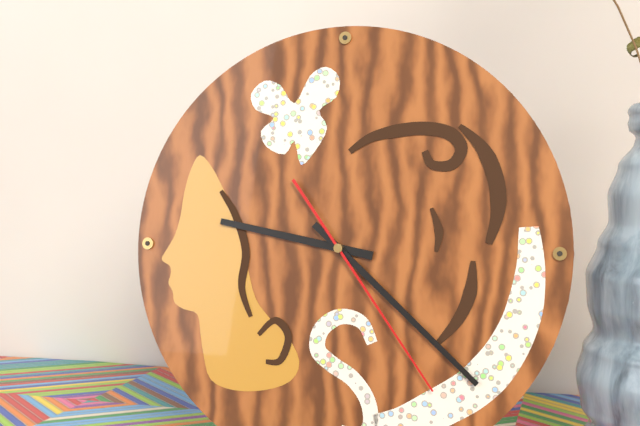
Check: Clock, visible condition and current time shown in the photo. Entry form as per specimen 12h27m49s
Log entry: 9h22m24s
